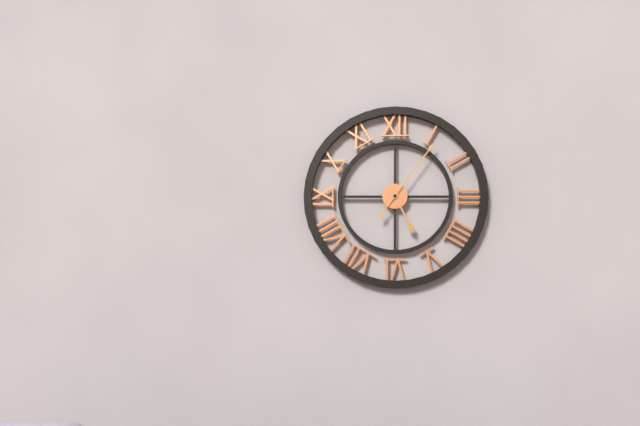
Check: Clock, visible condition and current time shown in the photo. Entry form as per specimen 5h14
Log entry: 5h06
